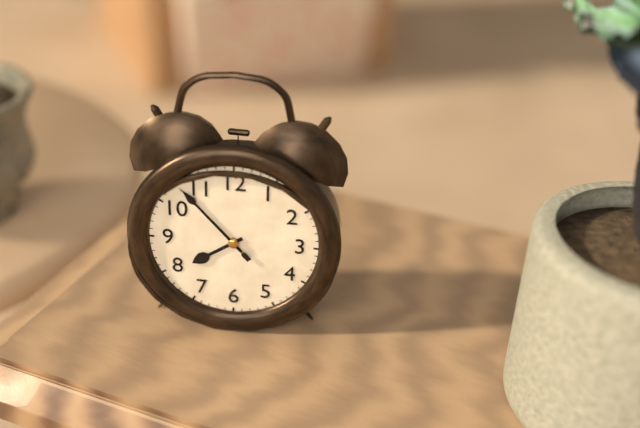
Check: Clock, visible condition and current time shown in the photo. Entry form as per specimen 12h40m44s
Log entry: 7h53m53s
